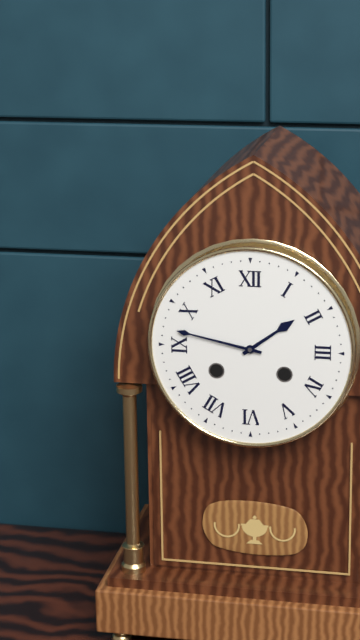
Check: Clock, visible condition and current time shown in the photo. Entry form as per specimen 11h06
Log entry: 1h47
